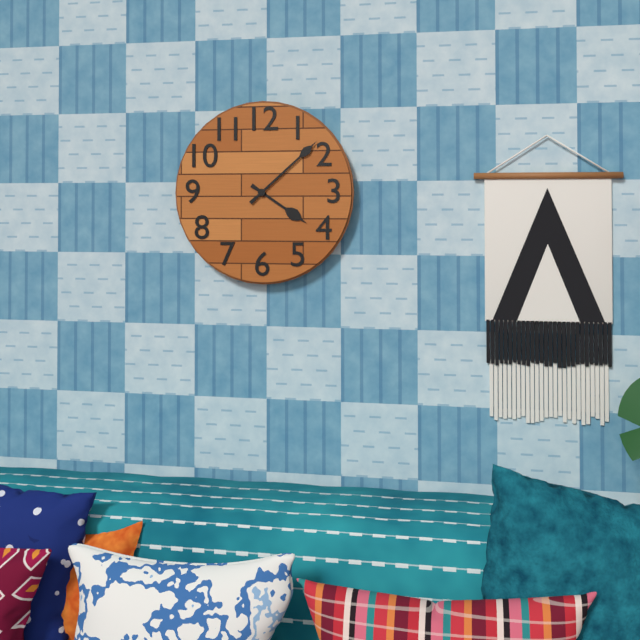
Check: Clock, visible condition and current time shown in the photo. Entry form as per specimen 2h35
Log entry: 4h08
